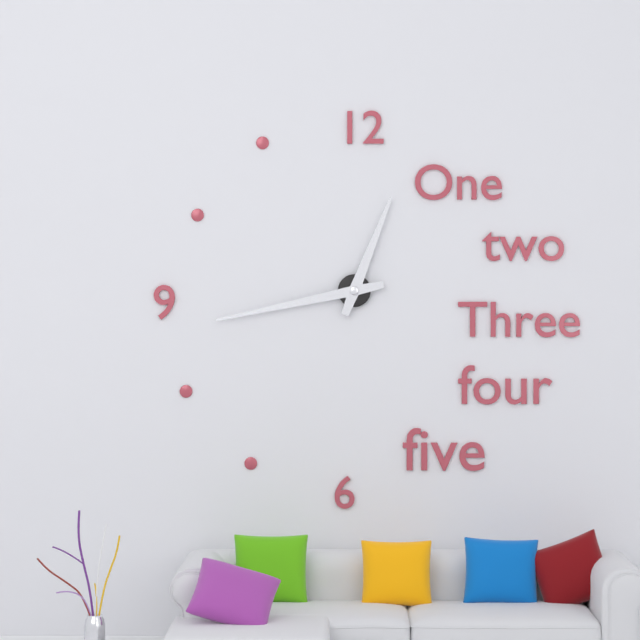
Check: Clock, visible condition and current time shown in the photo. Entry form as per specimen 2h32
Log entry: 12h43
